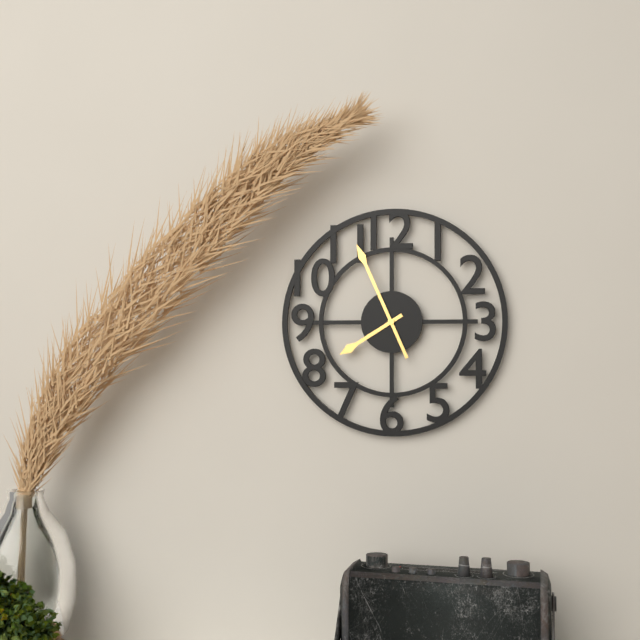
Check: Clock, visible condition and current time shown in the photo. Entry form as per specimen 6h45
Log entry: 7h56
